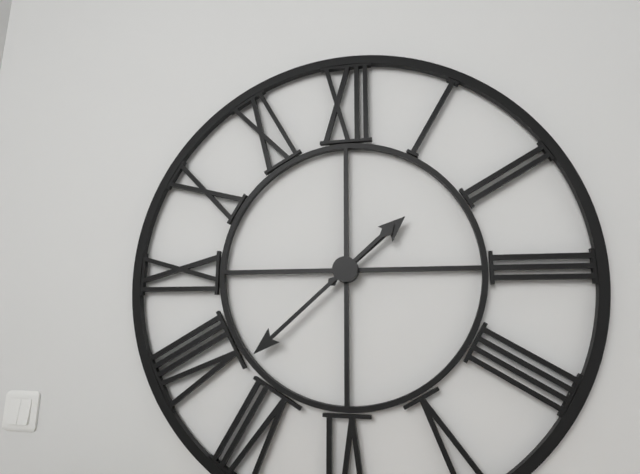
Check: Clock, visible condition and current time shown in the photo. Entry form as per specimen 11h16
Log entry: 1h38
